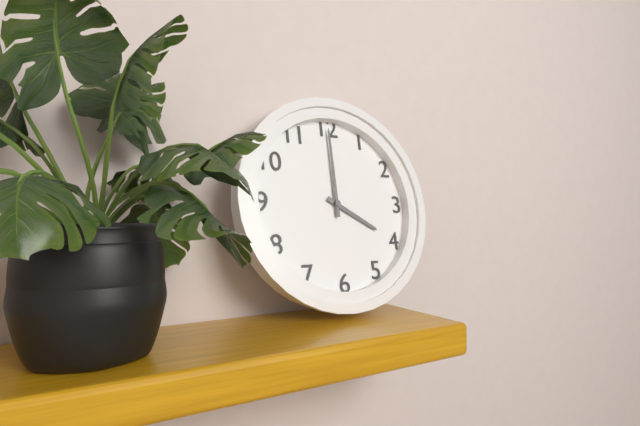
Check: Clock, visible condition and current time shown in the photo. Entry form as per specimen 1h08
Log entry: 4h00
